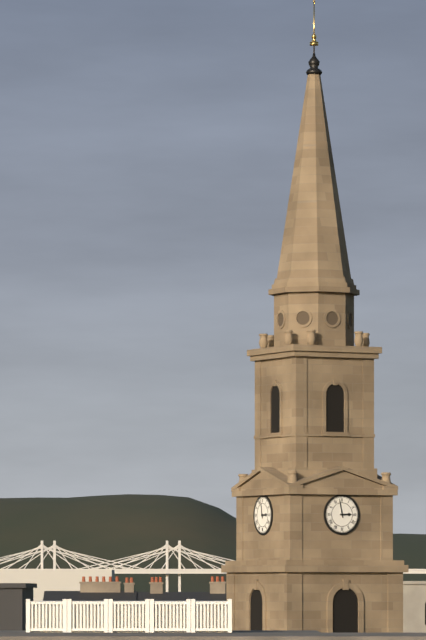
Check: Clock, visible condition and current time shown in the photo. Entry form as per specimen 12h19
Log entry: 2h58
